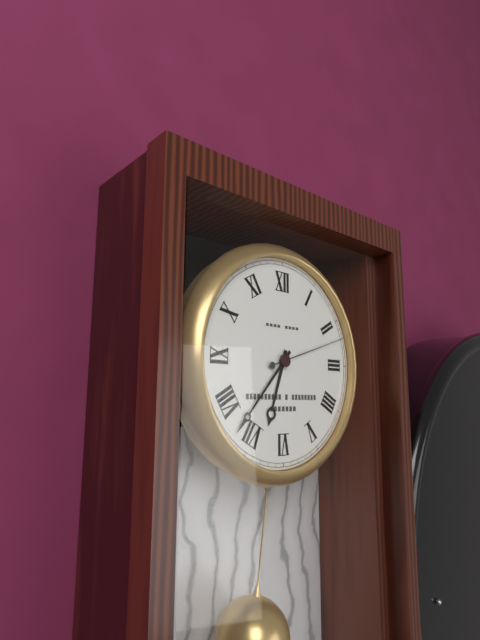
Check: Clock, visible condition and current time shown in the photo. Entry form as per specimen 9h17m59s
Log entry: 6h37m12s
